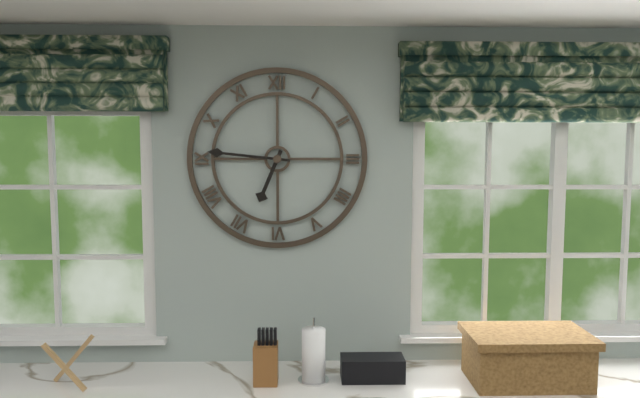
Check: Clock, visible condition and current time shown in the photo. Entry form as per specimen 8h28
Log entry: 6h46
